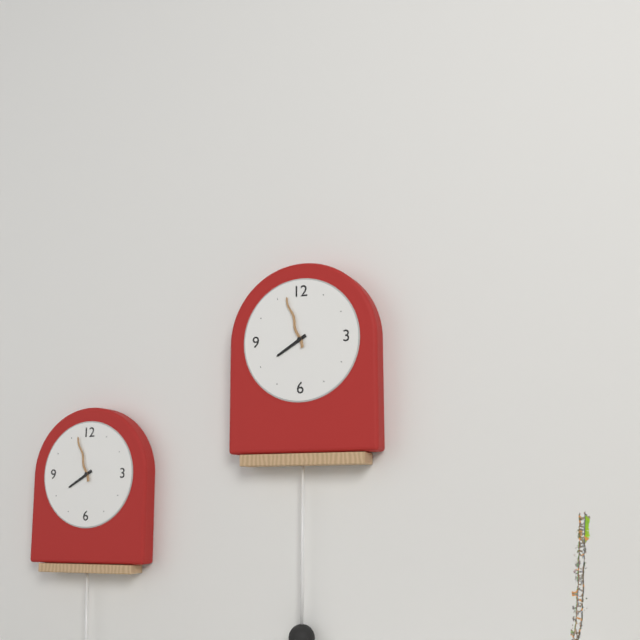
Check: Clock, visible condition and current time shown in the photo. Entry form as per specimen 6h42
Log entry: 7h57
